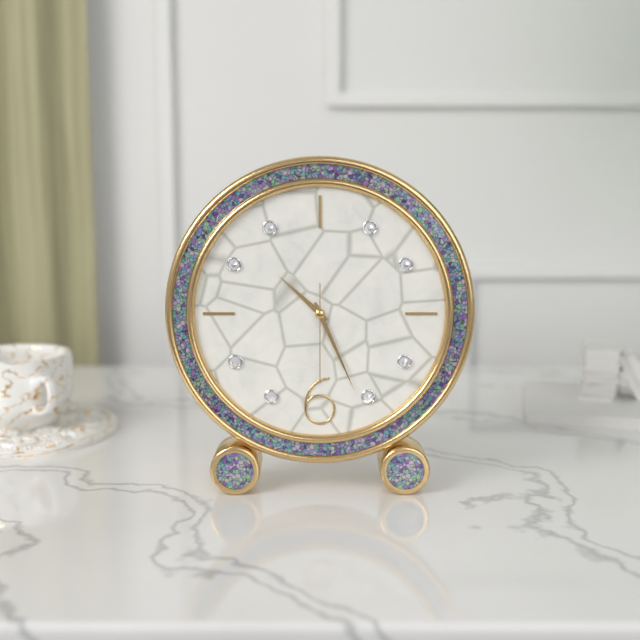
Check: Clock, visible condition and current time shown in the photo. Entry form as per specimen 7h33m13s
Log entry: 10h26m30s
